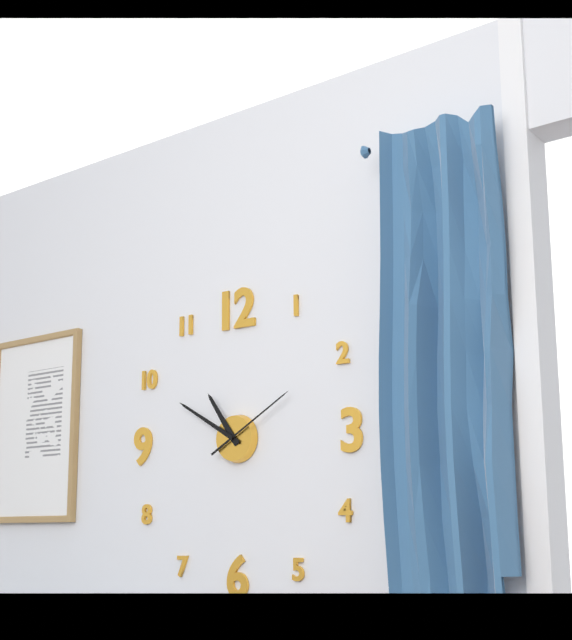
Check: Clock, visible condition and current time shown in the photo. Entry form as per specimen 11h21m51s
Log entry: 10h50m10s
